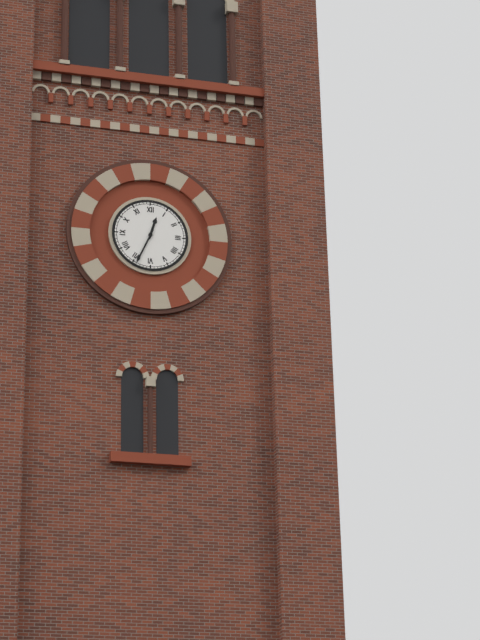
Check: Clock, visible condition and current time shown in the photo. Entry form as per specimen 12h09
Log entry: 12h34
